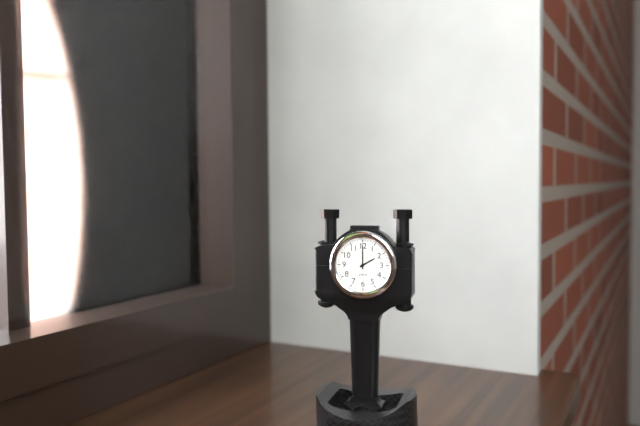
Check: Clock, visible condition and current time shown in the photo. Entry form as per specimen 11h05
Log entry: 2h00
